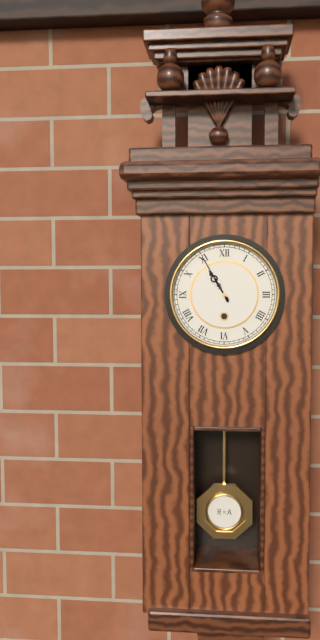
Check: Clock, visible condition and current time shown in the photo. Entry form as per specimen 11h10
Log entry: 10h55
